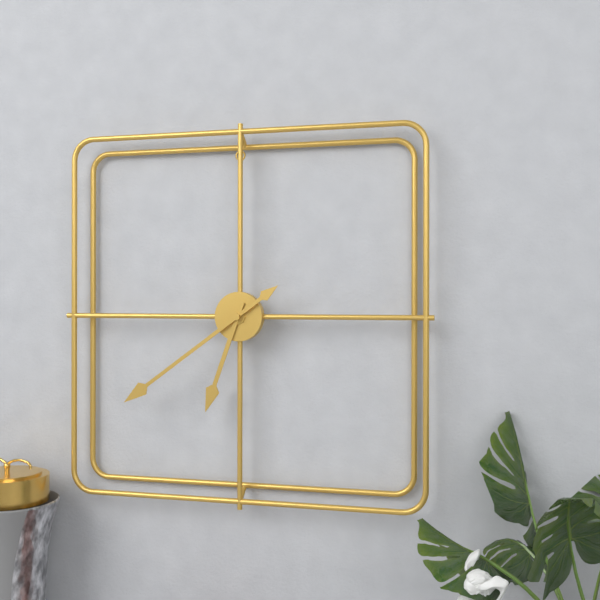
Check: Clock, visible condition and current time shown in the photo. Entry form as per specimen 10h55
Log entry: 6h39
